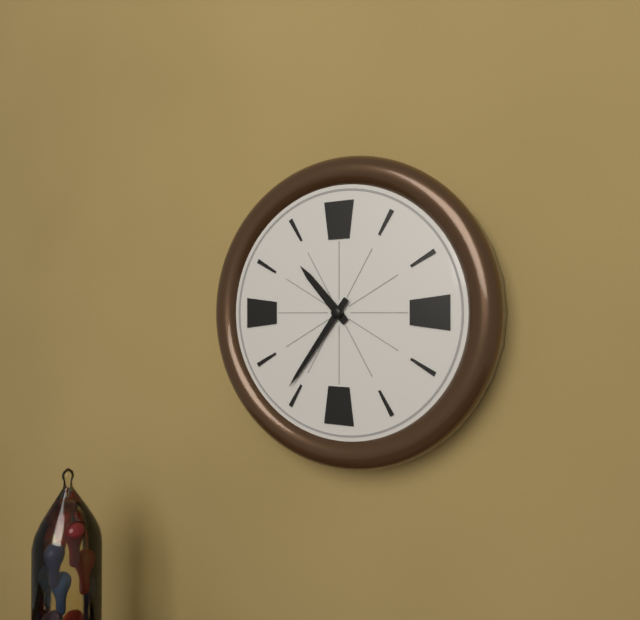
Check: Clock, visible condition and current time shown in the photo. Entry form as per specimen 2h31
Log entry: 10h36
